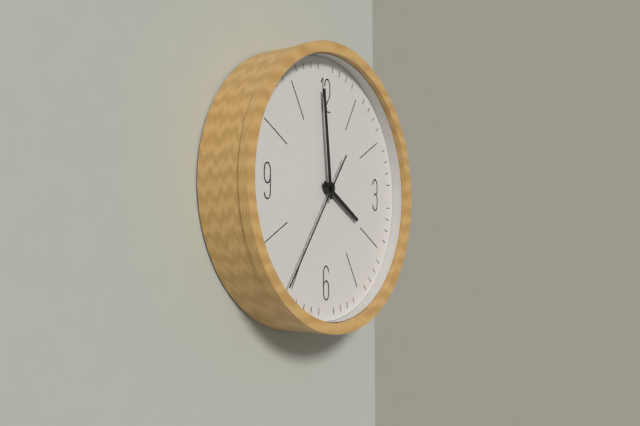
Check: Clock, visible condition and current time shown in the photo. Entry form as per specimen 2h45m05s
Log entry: 3h59m36s
